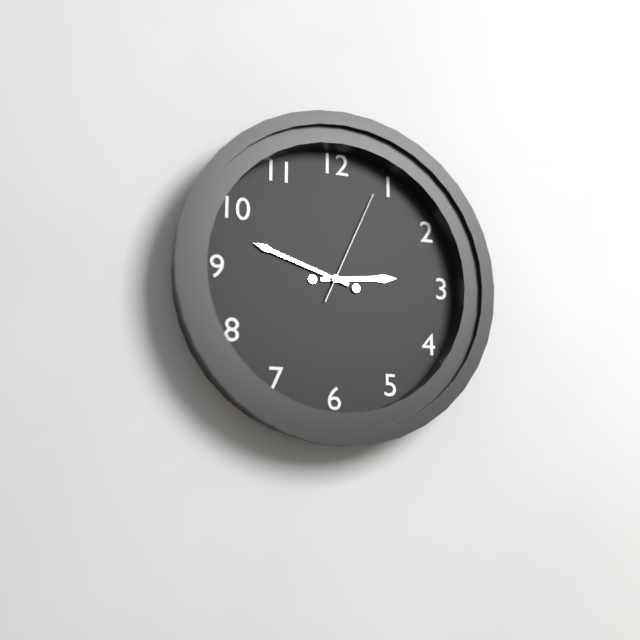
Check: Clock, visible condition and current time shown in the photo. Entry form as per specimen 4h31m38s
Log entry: 2h48m04s
